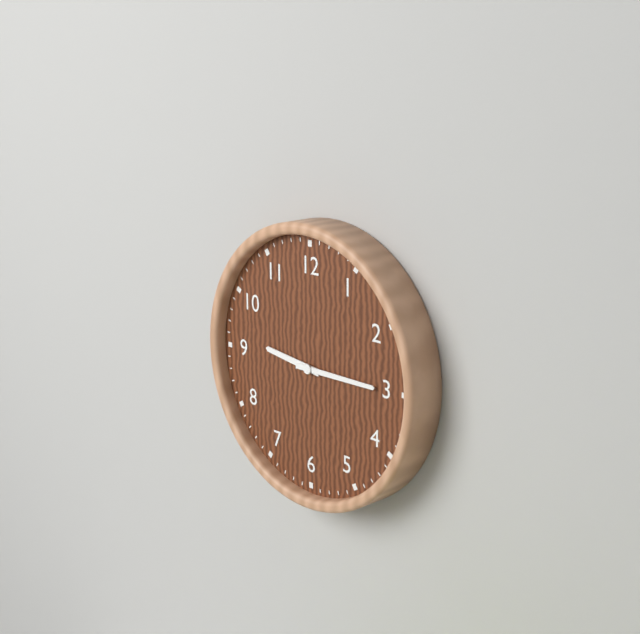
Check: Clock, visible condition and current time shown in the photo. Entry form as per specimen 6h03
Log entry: 9h15
